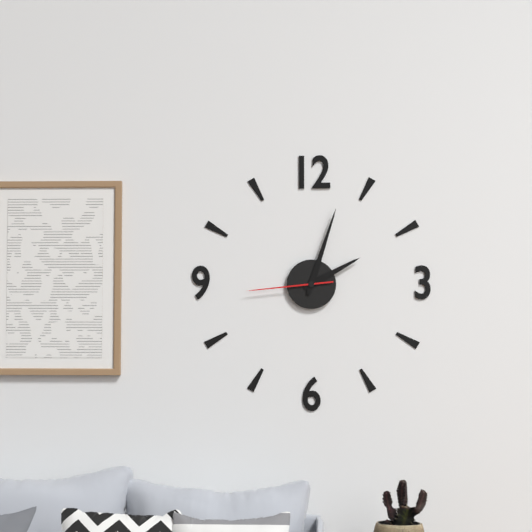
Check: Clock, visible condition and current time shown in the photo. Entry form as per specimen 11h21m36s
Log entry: 2h03m44s
